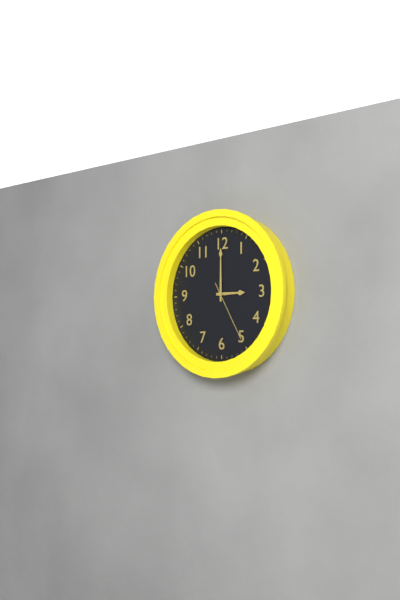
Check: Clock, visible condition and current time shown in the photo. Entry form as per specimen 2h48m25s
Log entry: 3h00m25s
